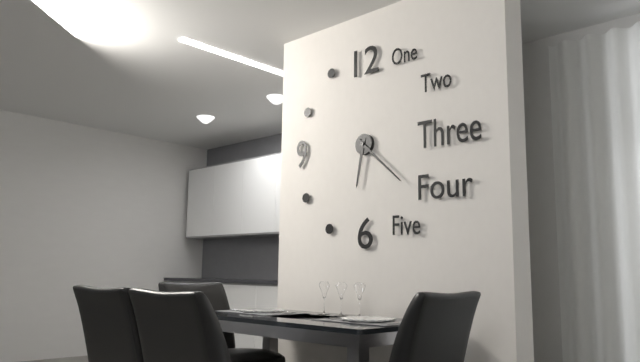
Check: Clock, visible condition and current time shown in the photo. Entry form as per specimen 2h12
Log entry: 6h22
